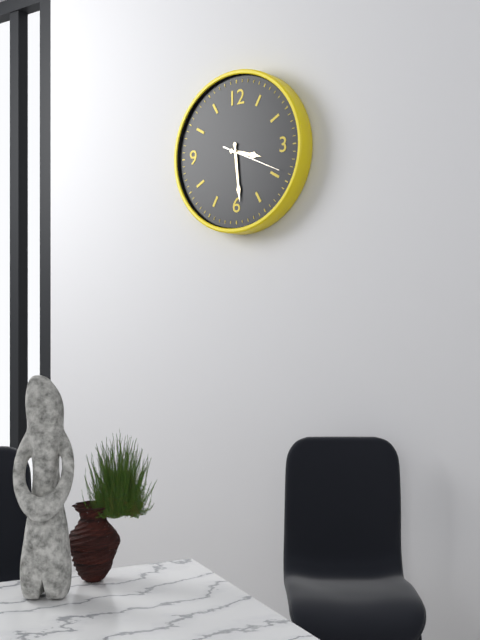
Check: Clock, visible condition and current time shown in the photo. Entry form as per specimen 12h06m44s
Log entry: 3h29m19s
